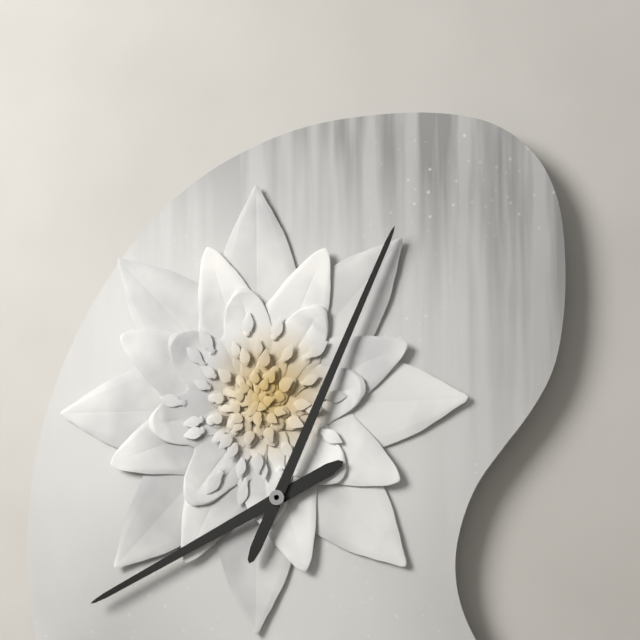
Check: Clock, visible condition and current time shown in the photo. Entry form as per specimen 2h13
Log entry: 8h04
